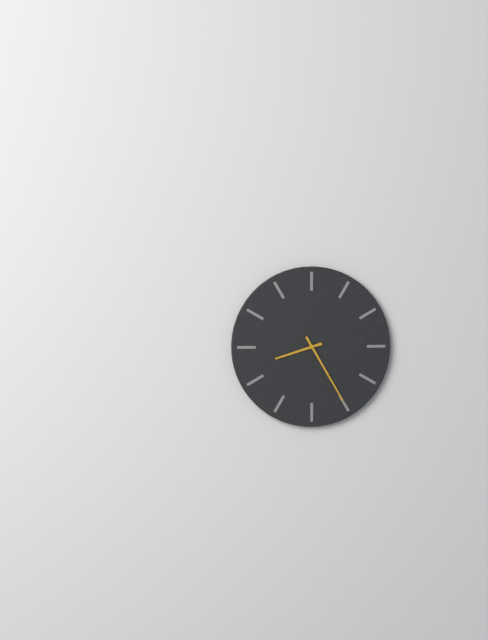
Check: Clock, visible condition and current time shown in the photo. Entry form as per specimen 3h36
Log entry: 8h25
